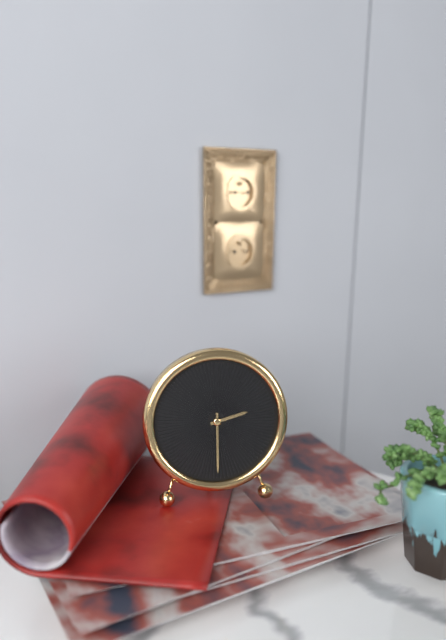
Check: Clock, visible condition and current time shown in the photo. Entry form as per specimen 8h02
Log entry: 2h30
